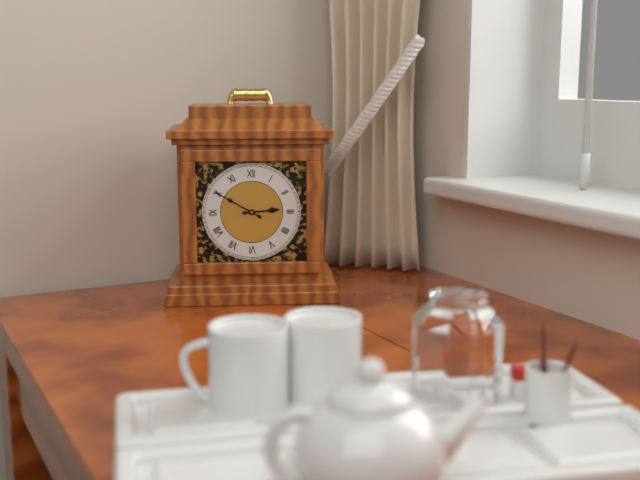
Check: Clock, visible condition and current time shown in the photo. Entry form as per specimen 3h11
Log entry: 2h50
